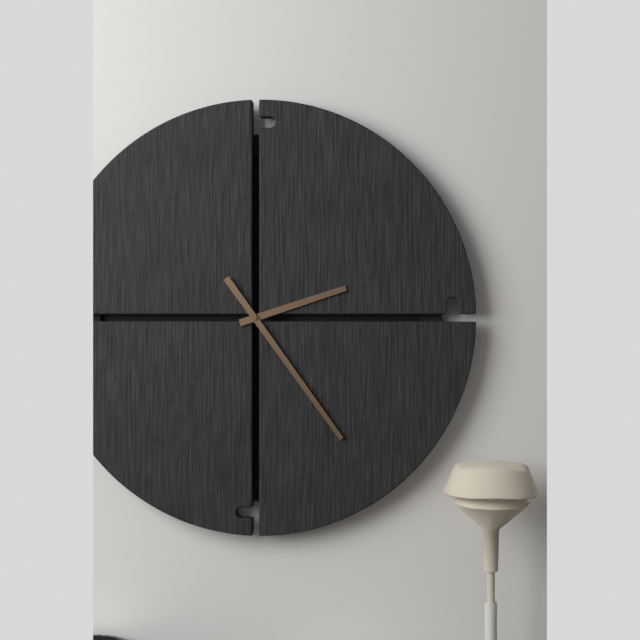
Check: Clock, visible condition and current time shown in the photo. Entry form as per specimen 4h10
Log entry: 2h24
